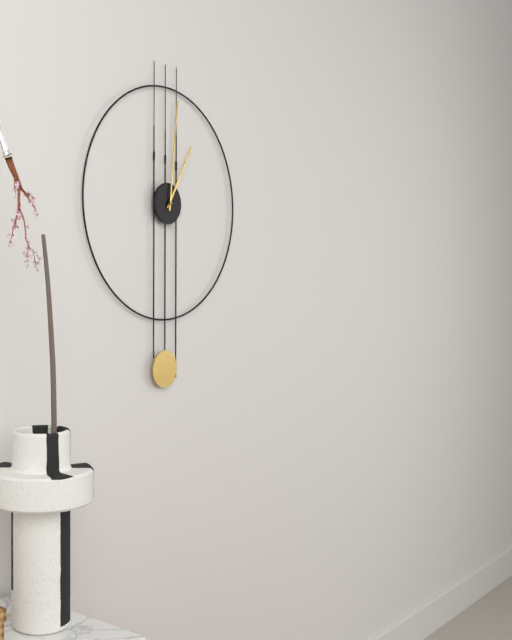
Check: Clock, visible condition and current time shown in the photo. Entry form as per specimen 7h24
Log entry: 1h01
